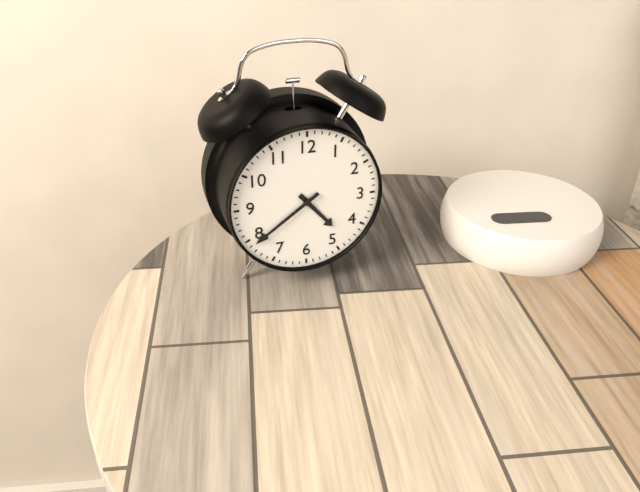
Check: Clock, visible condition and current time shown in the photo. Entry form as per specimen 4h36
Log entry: 4h39
